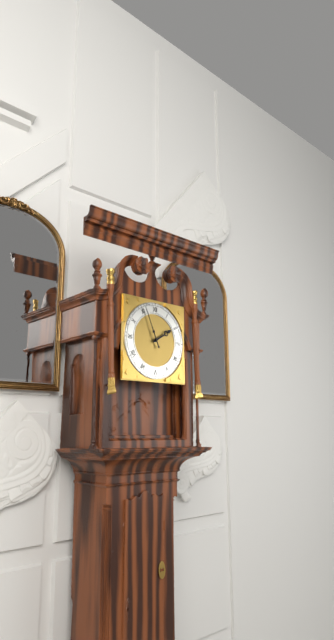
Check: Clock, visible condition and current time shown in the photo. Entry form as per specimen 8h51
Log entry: 1h56
